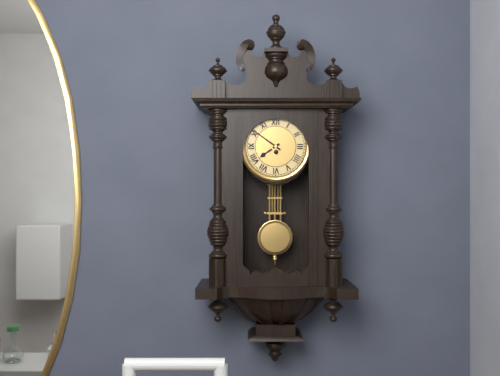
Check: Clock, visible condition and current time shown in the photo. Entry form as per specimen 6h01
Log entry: 7h51
